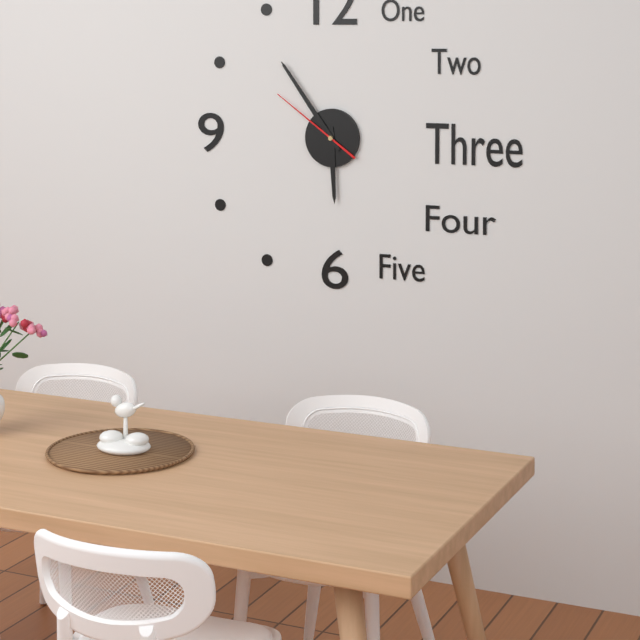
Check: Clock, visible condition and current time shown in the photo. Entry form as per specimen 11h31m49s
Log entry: 5h54m51s
